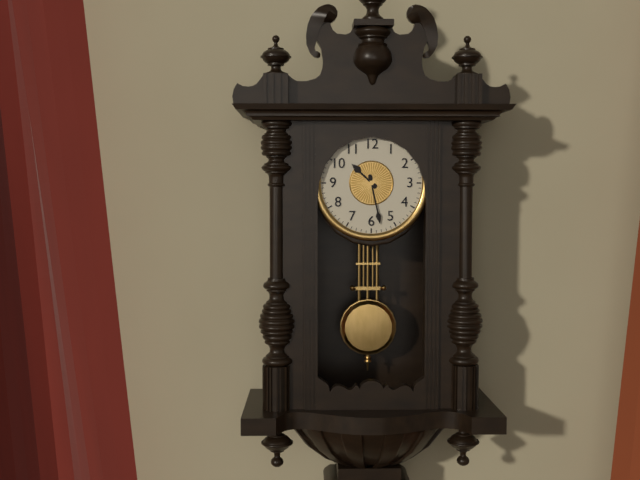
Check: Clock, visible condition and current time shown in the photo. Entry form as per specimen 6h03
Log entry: 10h28
